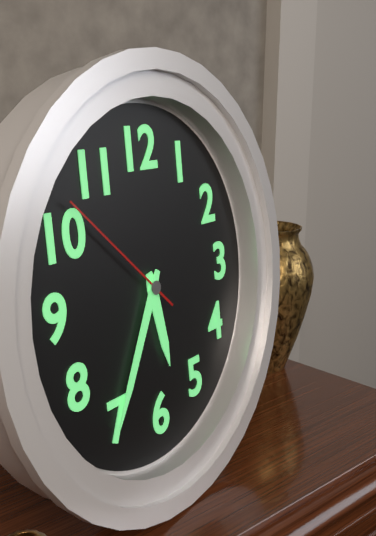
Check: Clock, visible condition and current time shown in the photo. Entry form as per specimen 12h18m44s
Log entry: 5h35m52s
